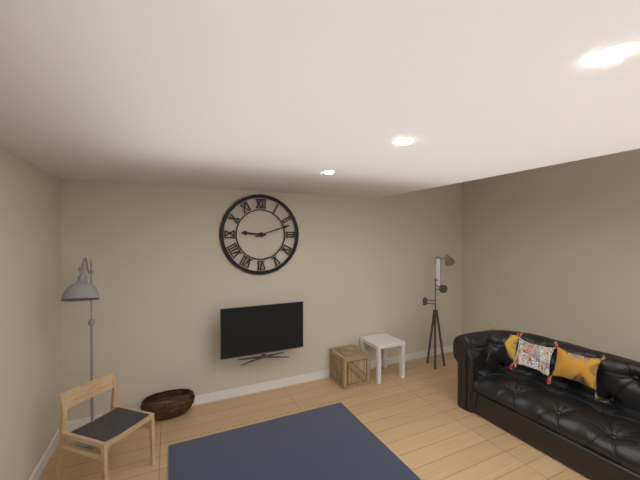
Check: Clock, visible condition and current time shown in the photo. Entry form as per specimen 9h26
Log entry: 9h12
